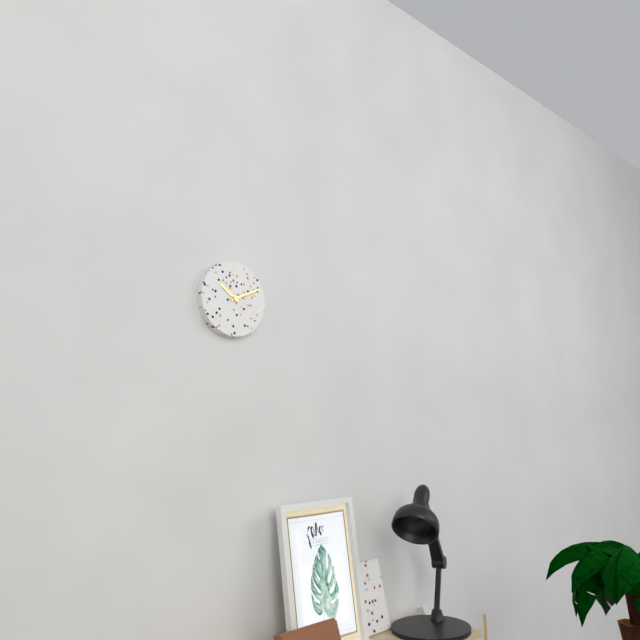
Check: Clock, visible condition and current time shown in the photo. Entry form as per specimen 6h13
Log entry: 10h11
